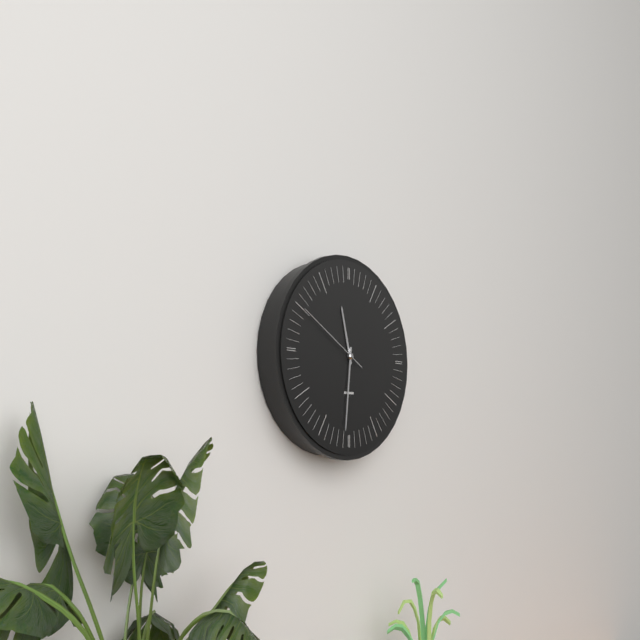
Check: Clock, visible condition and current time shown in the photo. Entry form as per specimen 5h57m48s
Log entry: 11h31m50s
